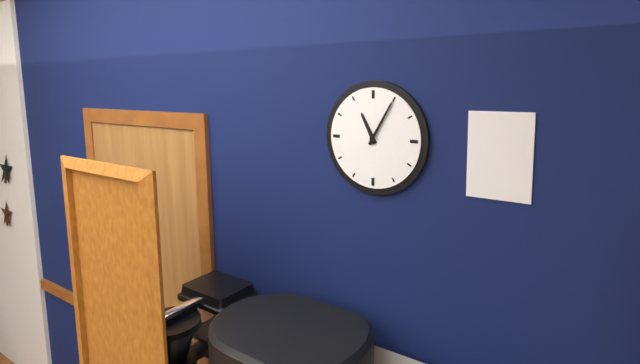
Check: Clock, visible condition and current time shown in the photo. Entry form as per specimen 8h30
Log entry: 11h05
